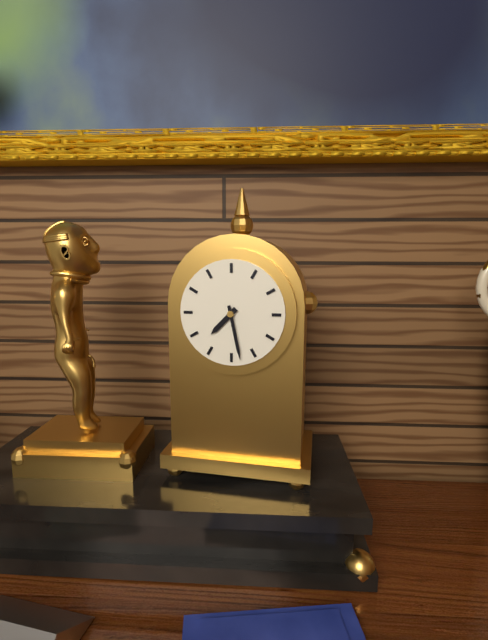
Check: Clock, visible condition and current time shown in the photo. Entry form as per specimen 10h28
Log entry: 7h28
